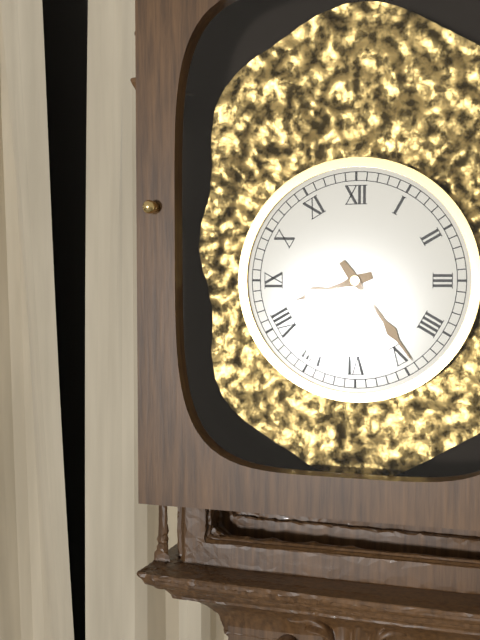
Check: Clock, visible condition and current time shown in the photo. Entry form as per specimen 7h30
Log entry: 8h24
